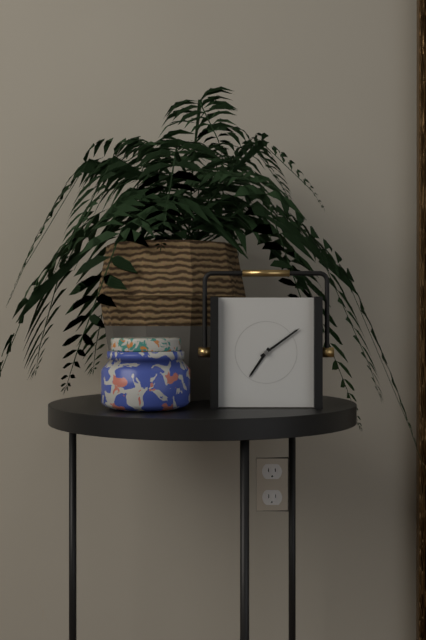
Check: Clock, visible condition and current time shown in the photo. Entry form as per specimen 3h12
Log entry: 7h09
